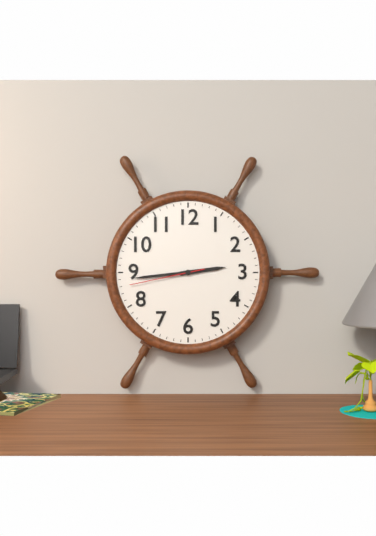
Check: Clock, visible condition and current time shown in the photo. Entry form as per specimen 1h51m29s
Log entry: 2h44m43s
